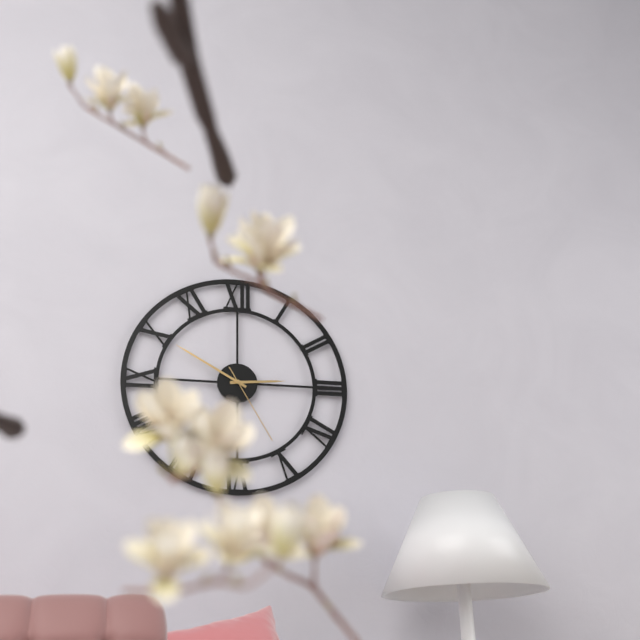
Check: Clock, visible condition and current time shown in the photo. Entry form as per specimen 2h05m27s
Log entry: 2h50m25s
